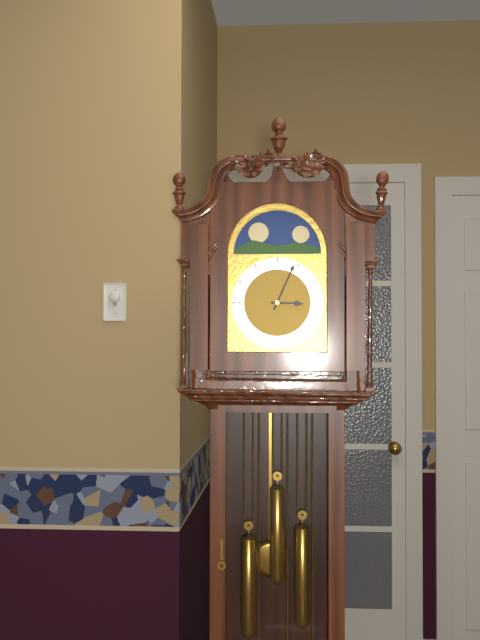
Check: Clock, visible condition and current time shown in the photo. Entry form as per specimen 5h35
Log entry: 3h04
